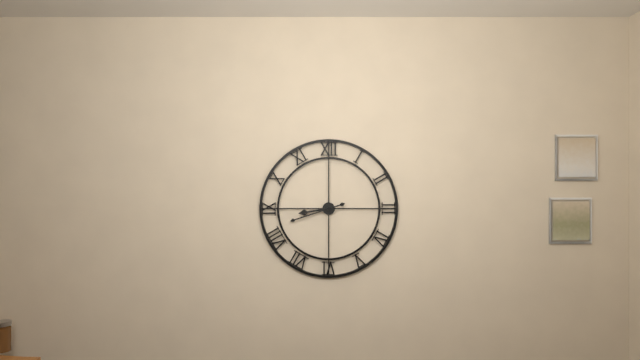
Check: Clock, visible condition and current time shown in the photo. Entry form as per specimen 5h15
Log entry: 8h42
